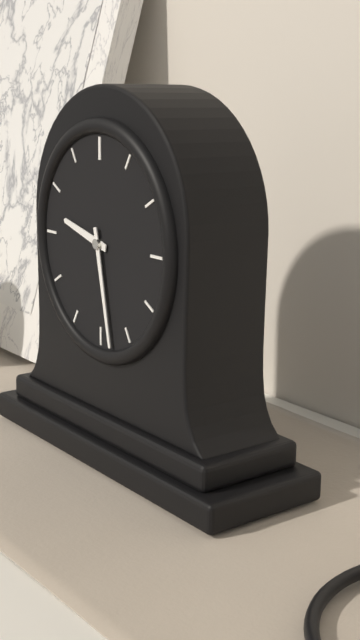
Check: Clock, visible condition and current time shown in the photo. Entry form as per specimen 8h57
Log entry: 9h28
